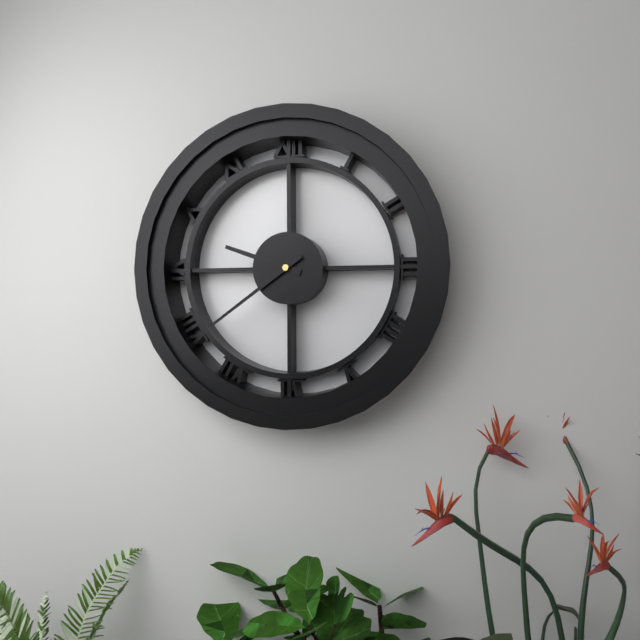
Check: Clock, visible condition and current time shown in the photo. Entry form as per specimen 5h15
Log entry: 9h39
